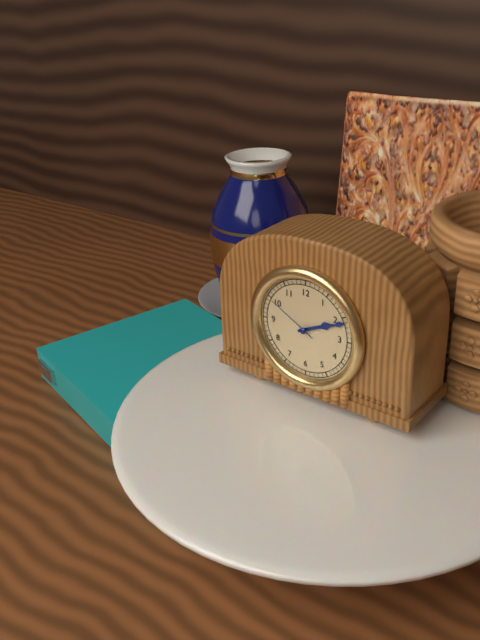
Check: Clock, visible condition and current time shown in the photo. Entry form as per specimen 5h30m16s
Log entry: 2h11m50s
